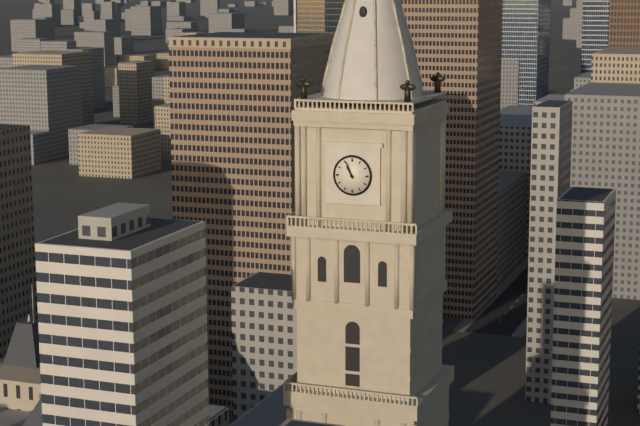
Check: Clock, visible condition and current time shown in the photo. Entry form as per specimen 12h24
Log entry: 10h56
